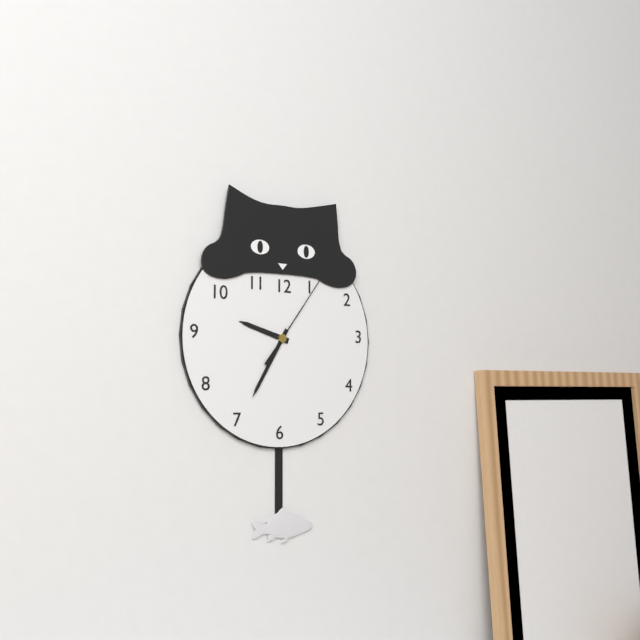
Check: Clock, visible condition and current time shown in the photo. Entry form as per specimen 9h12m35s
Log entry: 9h35m06s
